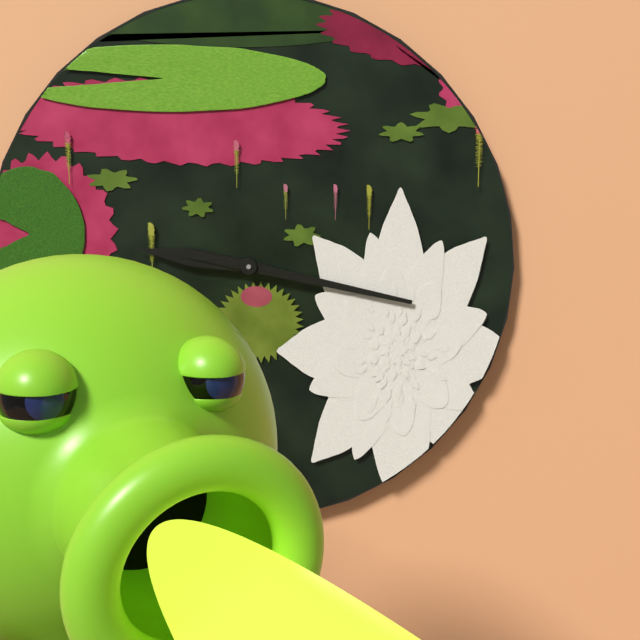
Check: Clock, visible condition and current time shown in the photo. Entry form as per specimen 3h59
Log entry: 9h17
